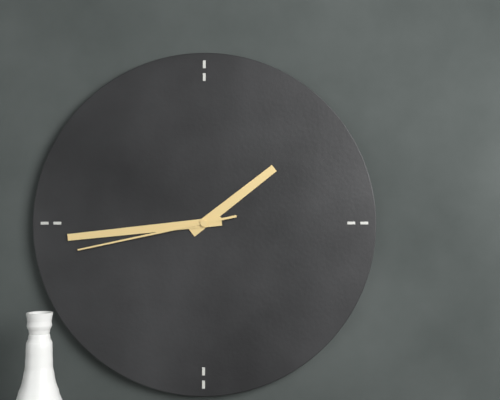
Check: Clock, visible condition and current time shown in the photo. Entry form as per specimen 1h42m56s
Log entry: 1h44m43s
